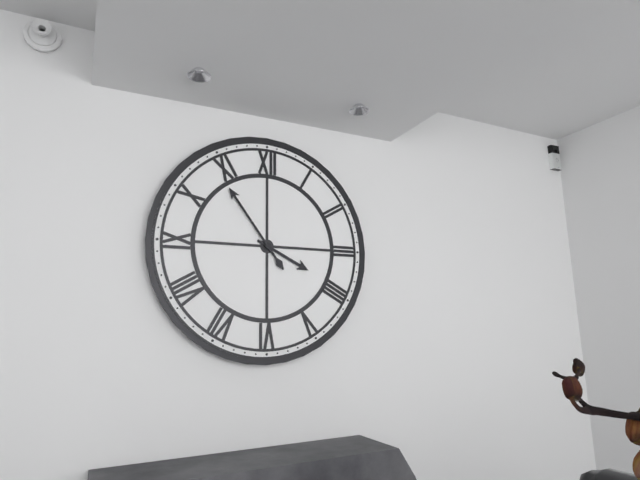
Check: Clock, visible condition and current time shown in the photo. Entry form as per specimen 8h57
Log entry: 3h54
